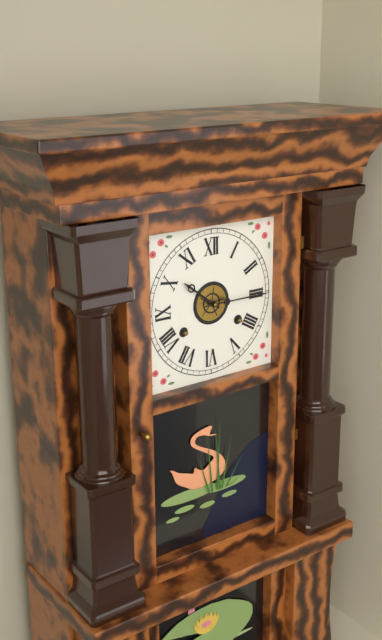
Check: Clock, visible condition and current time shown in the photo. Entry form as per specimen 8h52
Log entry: 10h15
